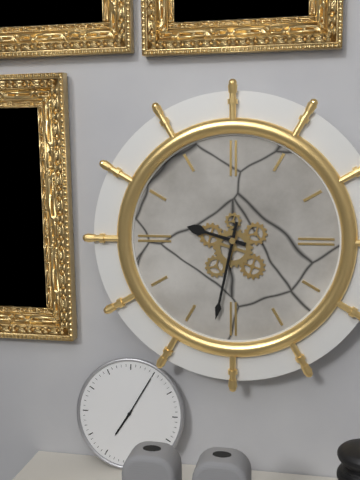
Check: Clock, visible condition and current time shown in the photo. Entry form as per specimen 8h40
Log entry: 9h32
